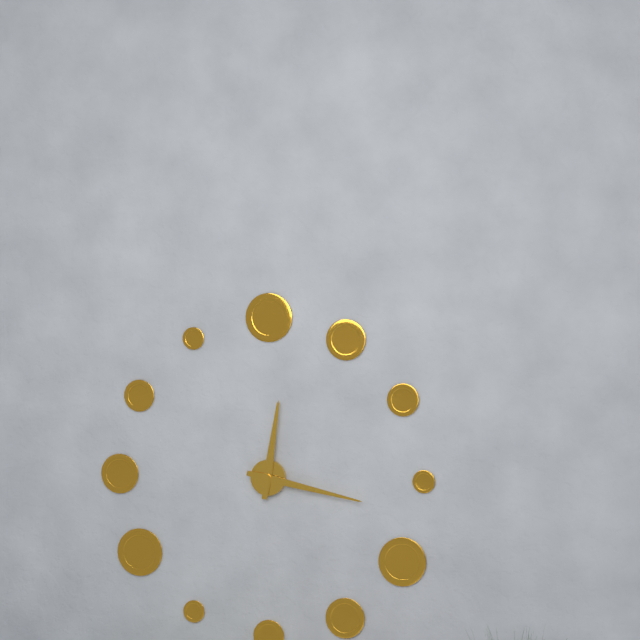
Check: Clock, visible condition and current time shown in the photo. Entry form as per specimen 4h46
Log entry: 12h17
